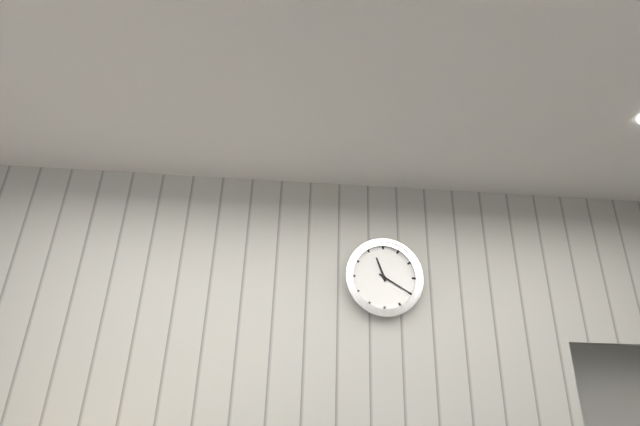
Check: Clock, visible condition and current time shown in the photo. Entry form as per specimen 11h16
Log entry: 11h20
